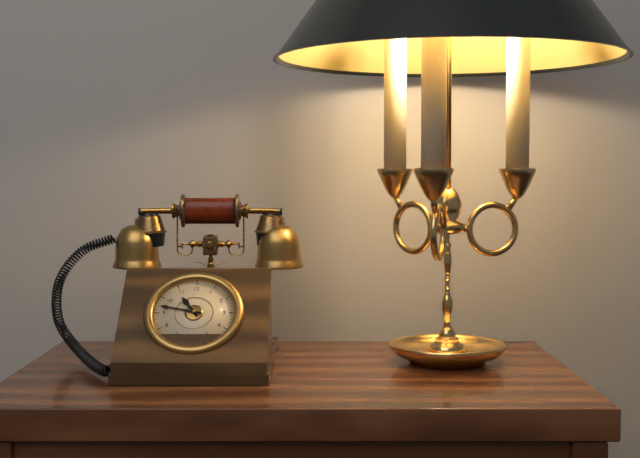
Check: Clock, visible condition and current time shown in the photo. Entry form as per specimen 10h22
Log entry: 10h47
